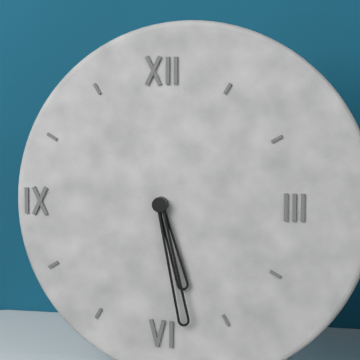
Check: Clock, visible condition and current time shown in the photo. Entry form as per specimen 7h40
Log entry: 5h28
